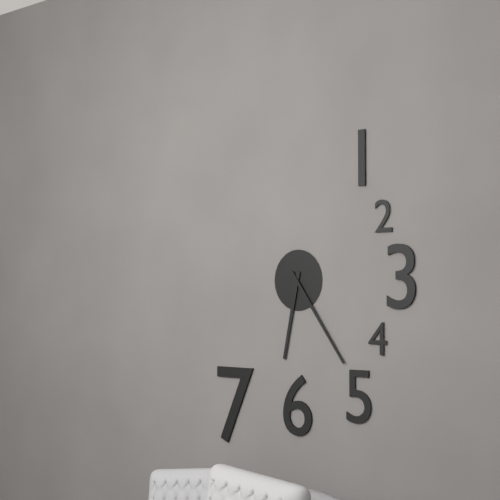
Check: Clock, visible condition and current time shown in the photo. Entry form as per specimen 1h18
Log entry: 6h24
